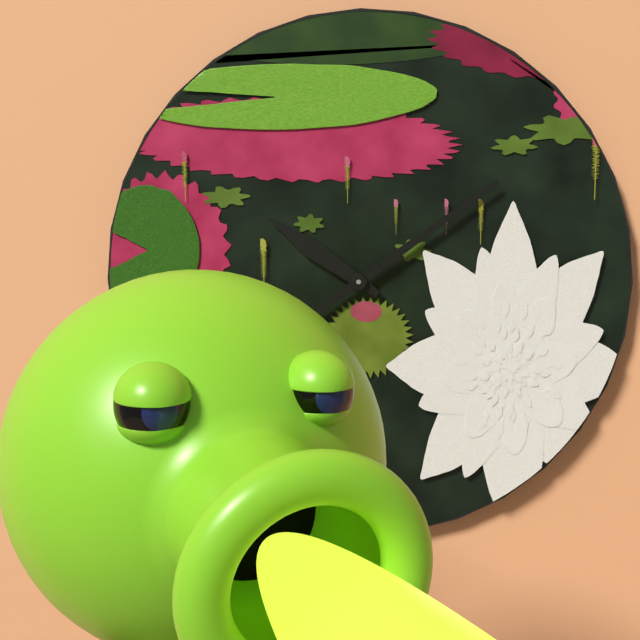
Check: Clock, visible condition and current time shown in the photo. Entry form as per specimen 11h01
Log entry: 10h09
